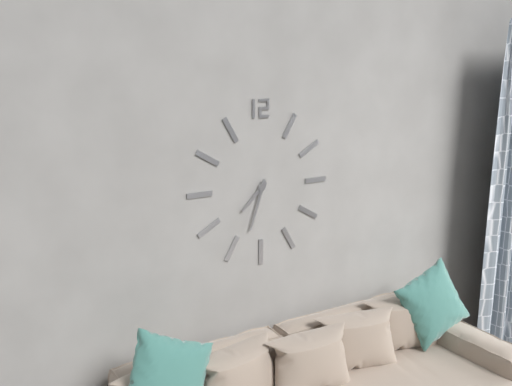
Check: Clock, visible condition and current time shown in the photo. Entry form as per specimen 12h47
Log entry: 7h33
